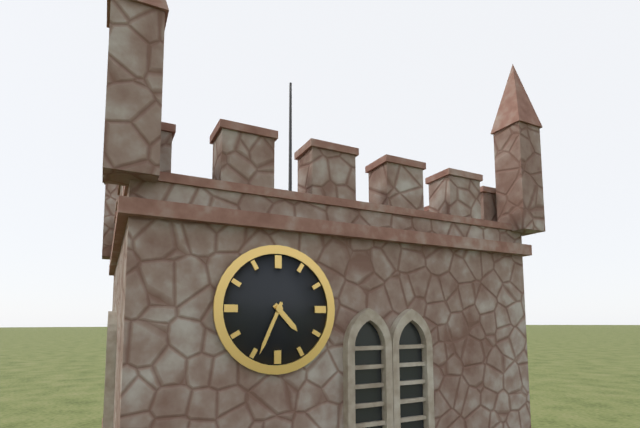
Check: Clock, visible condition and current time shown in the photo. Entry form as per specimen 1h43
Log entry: 4h34
